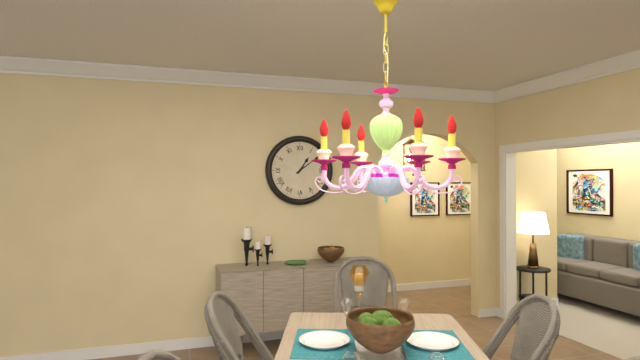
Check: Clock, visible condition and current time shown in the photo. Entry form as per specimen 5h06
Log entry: 1h09
